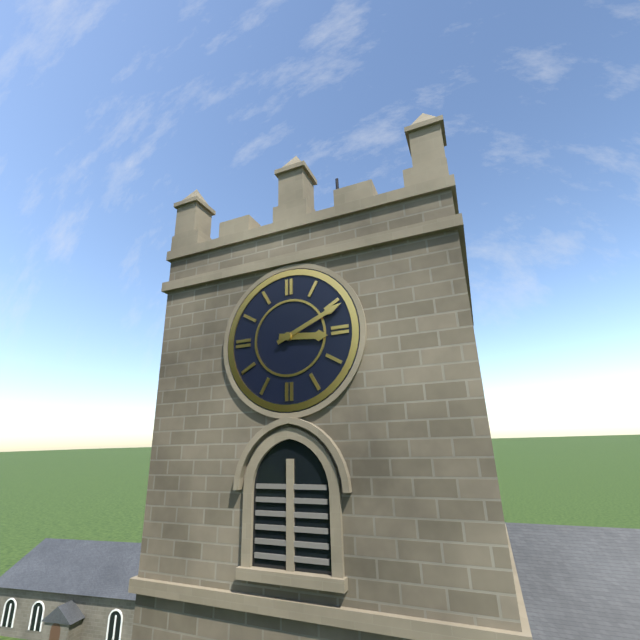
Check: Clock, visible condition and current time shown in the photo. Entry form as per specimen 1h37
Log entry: 3h11
